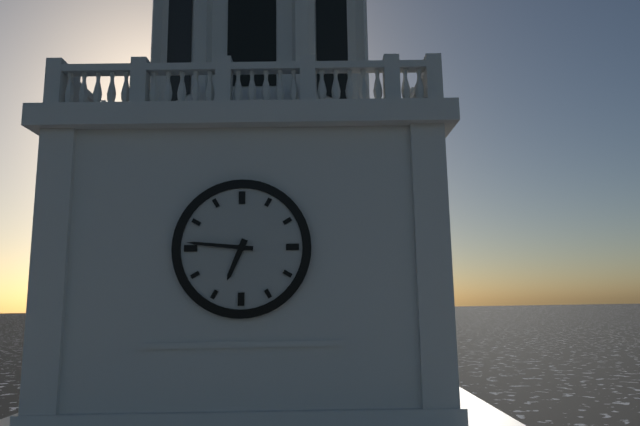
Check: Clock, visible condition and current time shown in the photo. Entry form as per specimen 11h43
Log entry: 6h46
